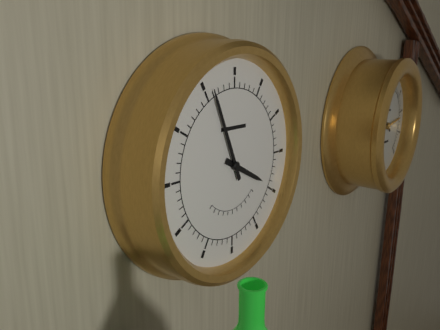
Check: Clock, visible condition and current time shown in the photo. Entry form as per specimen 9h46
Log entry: 3h56
